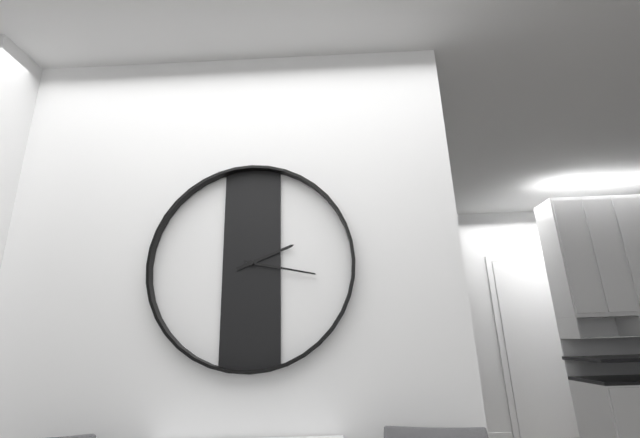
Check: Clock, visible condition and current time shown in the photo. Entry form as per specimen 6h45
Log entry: 2h17
